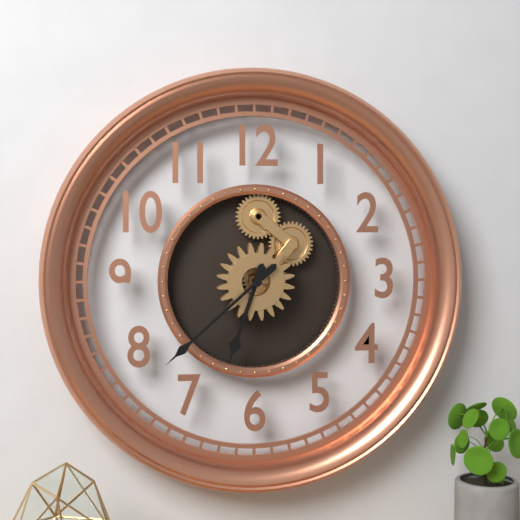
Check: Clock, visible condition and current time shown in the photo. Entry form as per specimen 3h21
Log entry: 6h38
